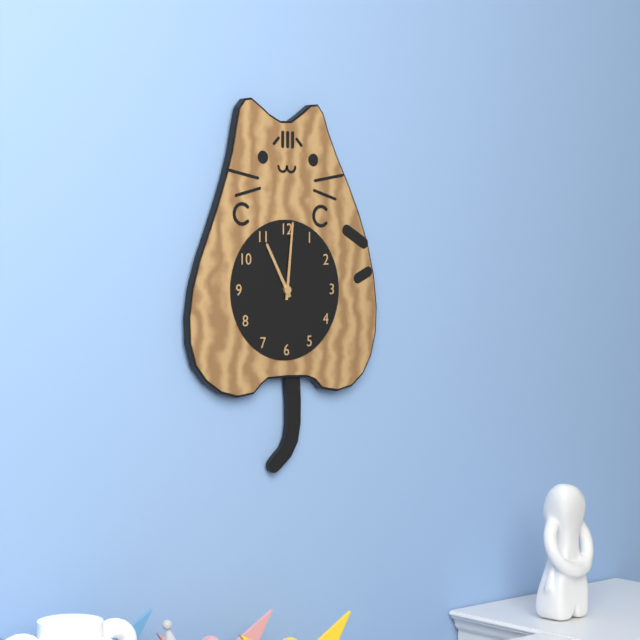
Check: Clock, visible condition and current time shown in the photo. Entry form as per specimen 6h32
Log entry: 11h01
